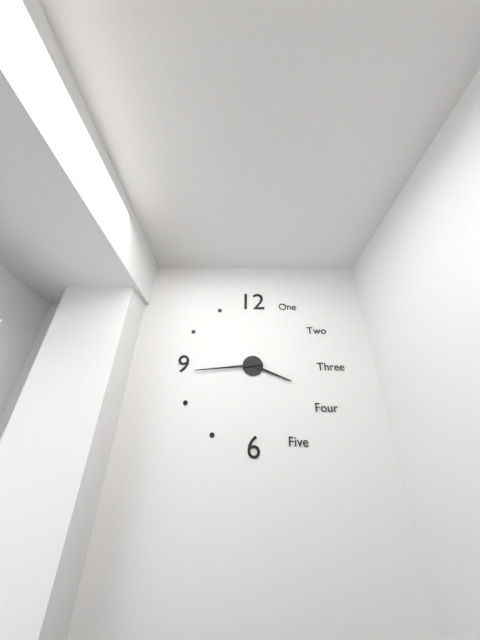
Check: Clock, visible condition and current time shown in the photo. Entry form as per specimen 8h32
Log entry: 3h44
